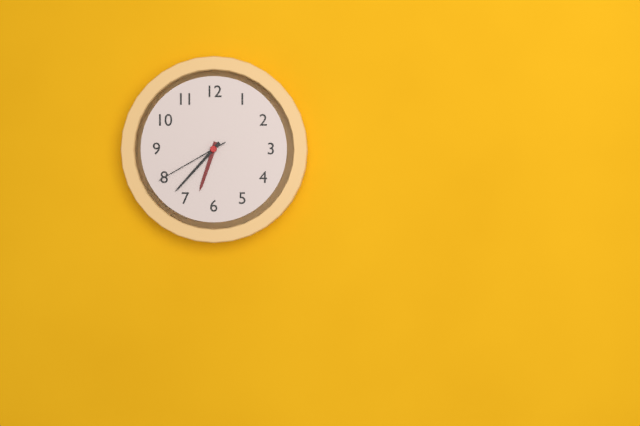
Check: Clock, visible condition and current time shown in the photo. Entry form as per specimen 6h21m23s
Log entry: 6h37m40s
